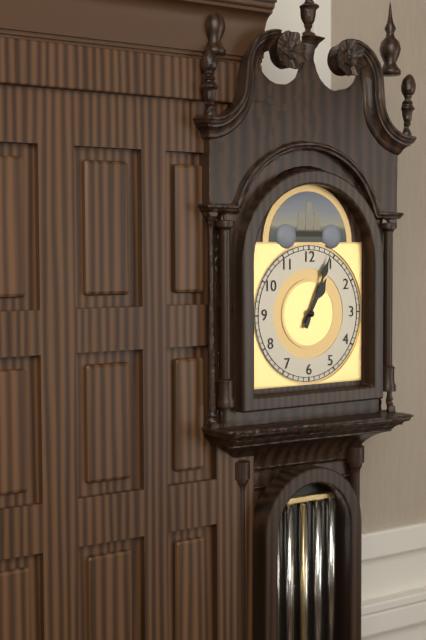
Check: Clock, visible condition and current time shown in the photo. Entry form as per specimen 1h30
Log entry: 1h04
